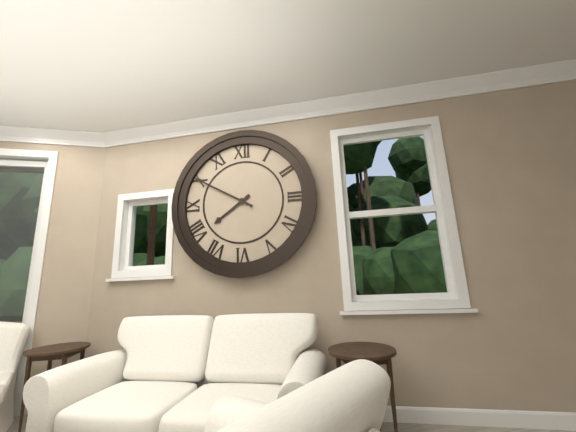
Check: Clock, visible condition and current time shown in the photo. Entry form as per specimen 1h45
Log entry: 7h50
